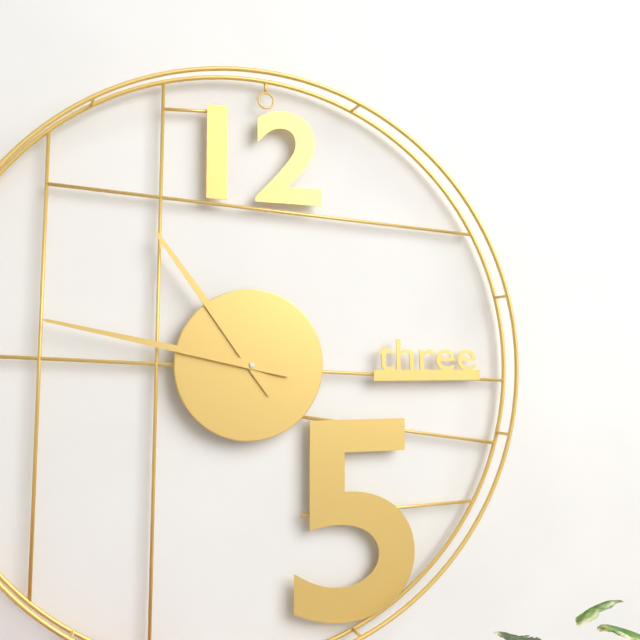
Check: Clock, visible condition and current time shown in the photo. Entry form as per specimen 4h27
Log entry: 10h47
